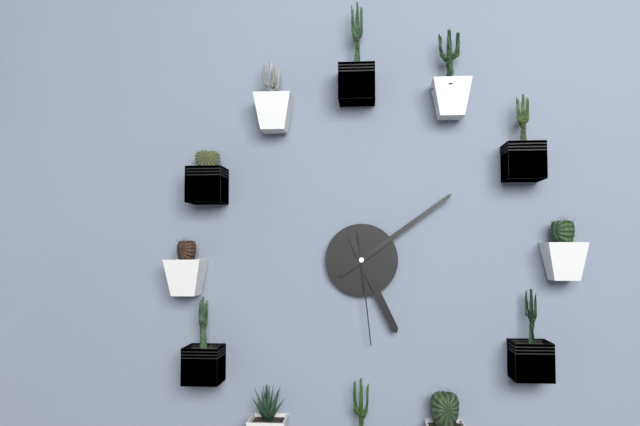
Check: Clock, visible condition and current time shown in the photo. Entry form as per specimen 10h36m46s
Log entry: 5h09m29s
